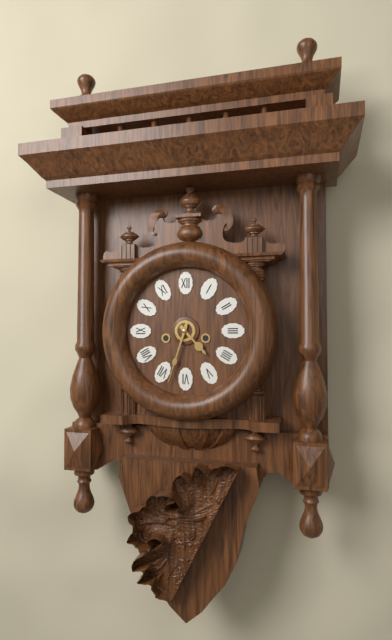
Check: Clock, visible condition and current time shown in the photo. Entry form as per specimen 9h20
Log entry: 4h33
